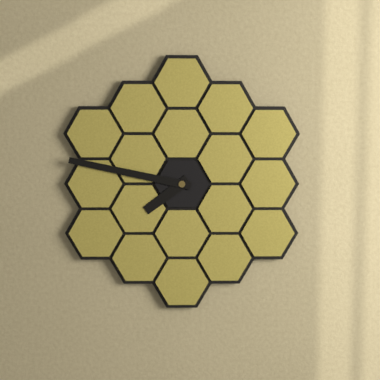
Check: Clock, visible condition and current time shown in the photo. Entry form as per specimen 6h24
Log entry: 7h47
